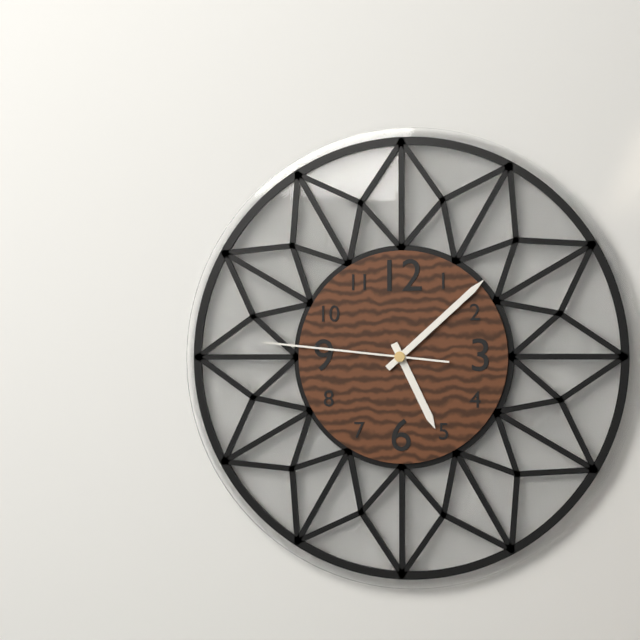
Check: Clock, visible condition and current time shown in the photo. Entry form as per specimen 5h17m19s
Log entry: 5h08m46s
